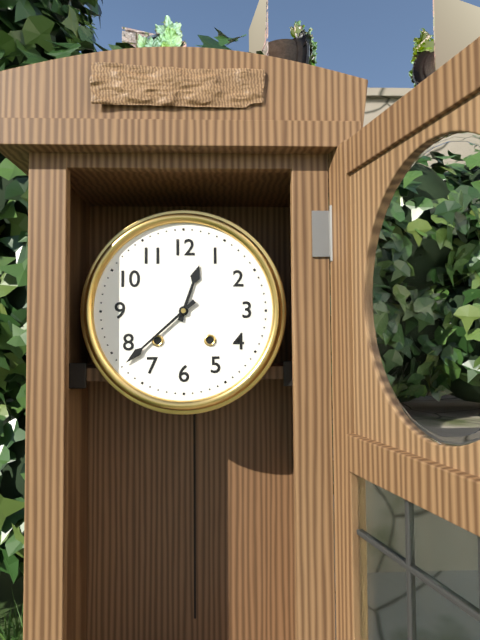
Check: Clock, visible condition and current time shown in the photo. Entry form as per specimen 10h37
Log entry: 12h38
